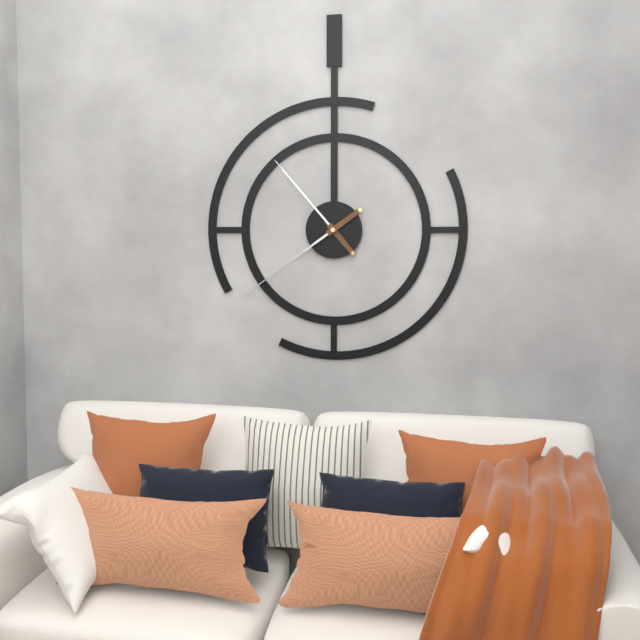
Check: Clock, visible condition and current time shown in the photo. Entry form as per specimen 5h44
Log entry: 10h39
